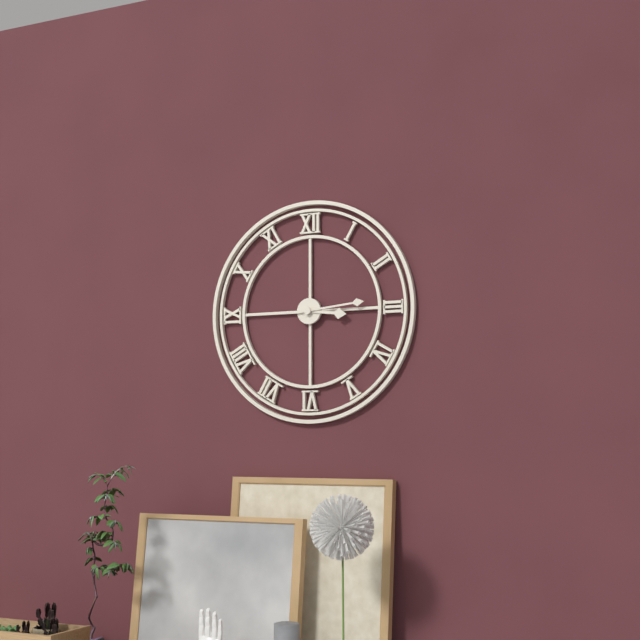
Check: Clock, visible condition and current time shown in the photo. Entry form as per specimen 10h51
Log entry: 3h14
